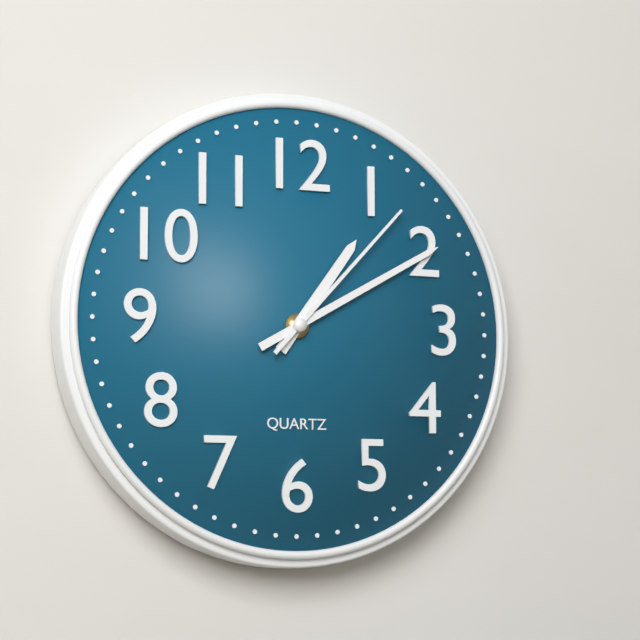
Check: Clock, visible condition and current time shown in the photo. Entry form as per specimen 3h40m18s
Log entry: 1h10m07s
